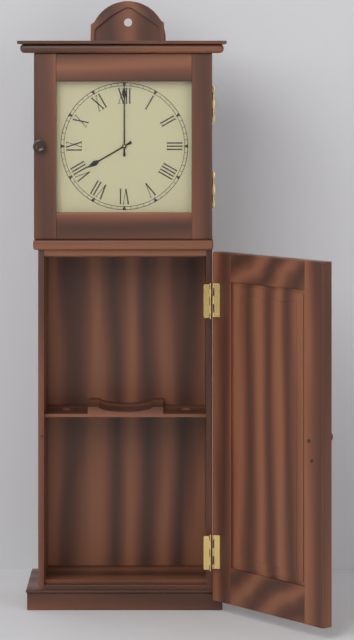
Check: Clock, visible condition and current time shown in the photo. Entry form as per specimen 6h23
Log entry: 8h00
